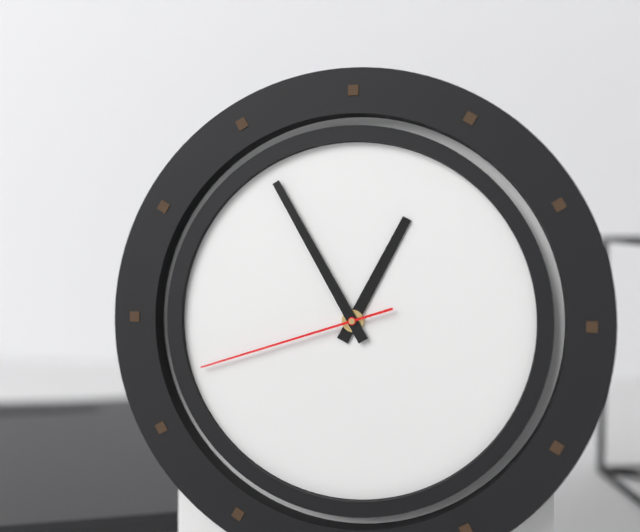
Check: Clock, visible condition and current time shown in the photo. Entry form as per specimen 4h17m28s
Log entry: 12h55m42s
